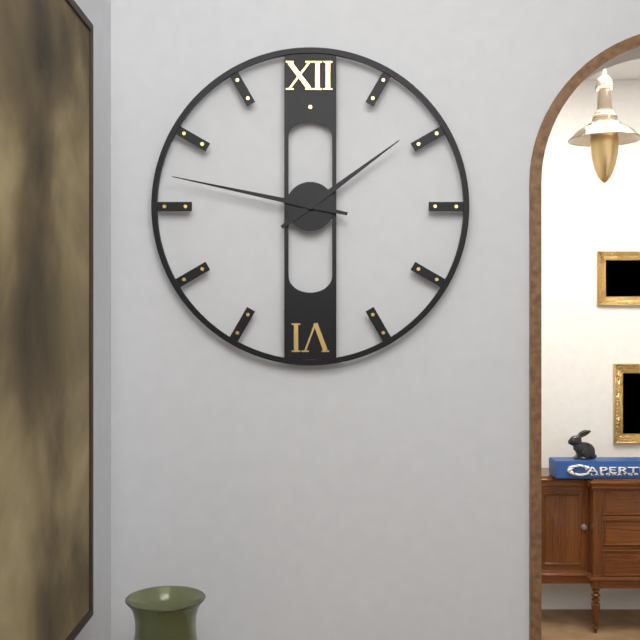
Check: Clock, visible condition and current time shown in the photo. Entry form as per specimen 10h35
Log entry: 1h47
